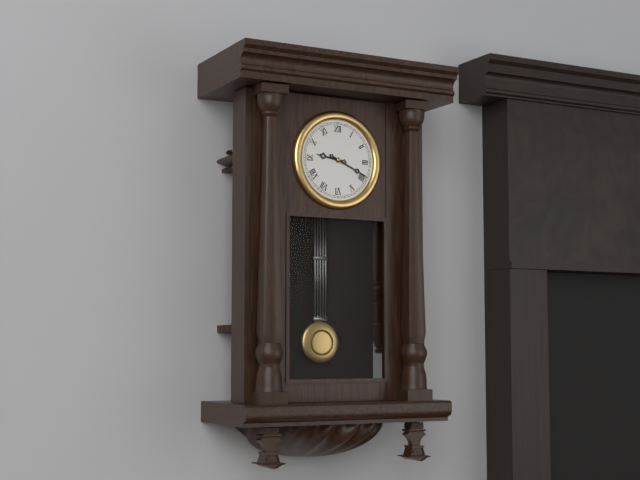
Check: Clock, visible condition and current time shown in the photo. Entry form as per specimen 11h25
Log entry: 9h19
